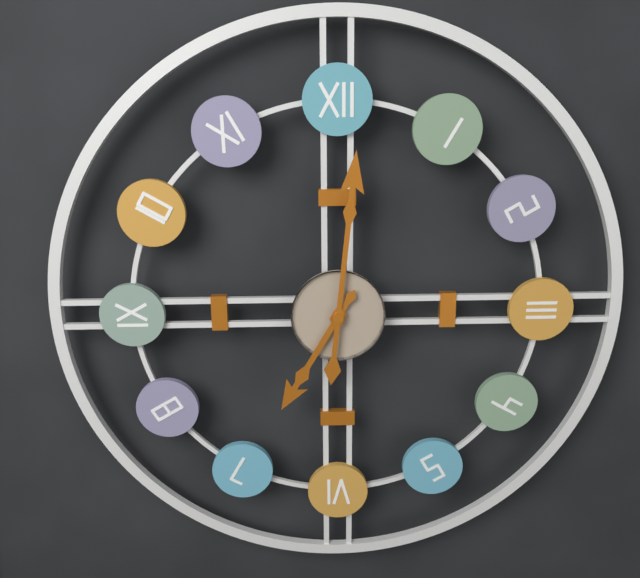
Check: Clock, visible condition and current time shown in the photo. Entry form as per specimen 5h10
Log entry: 7h01
